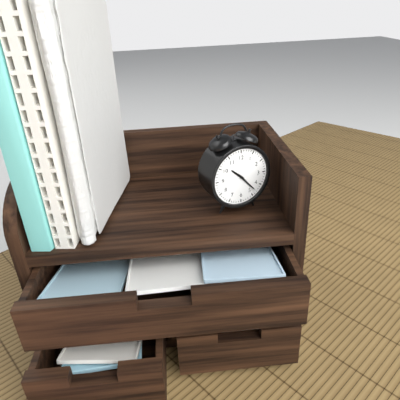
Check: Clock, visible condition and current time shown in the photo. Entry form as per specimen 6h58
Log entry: 10h23
